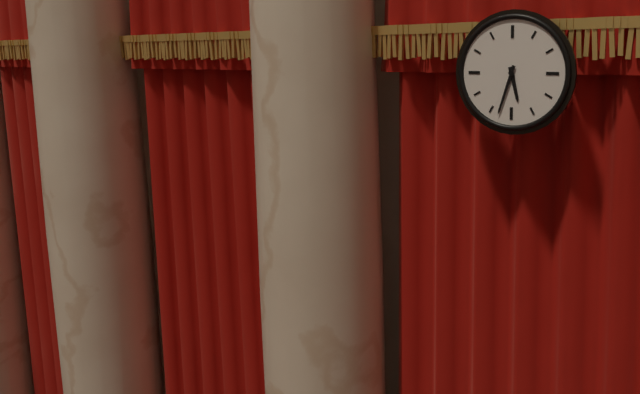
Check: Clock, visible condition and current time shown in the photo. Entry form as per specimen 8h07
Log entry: 5h33
